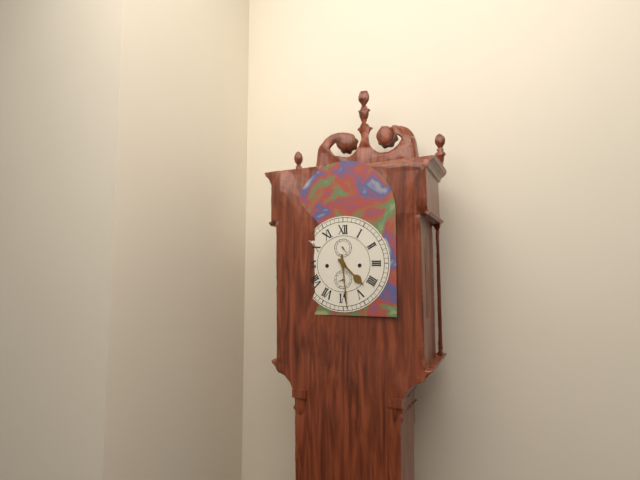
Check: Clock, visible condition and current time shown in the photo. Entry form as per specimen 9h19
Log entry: 4h29
